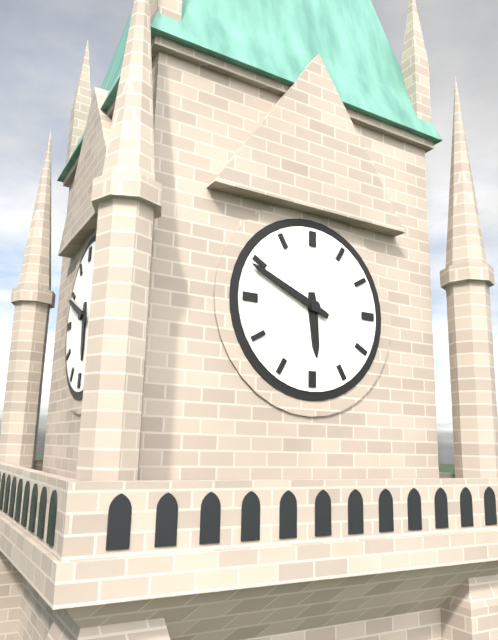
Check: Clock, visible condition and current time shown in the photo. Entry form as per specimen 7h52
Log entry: 5h49
